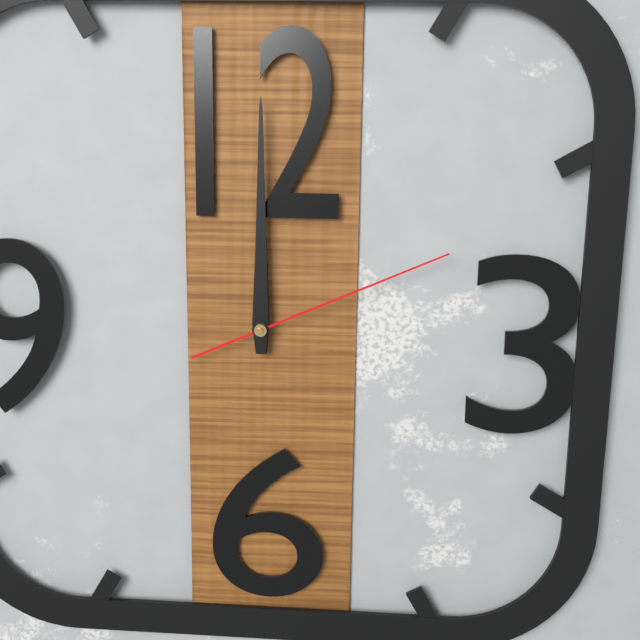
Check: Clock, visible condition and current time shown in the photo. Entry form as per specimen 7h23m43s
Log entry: 12h00m11s
